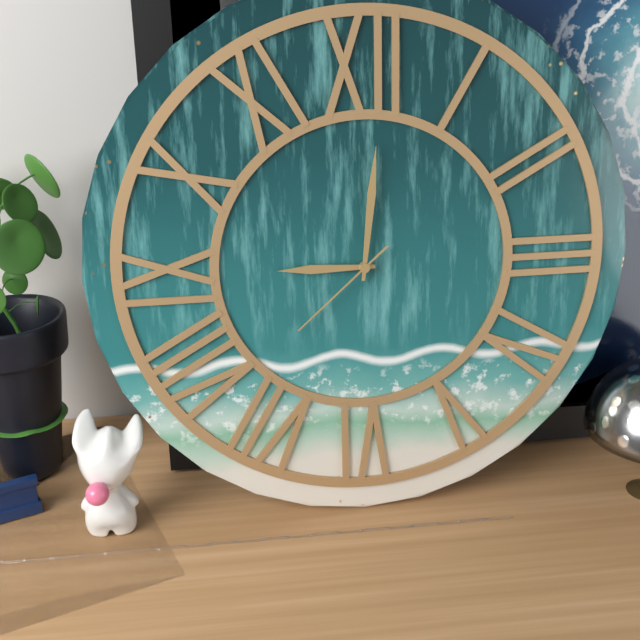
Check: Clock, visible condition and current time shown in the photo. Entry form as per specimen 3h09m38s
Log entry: 9h01m38s
